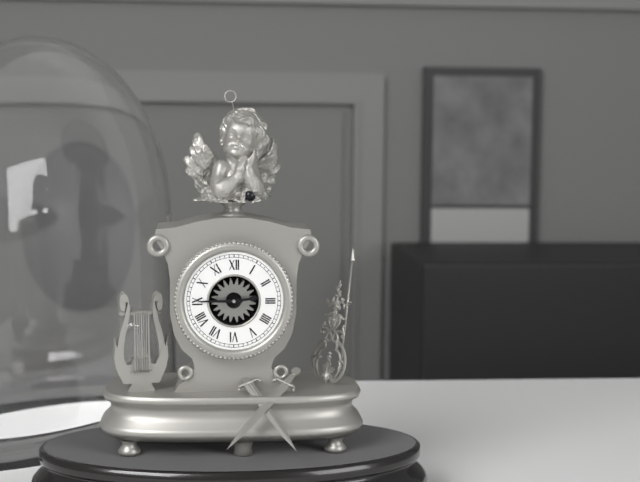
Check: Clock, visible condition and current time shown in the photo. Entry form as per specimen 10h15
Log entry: 2h45
